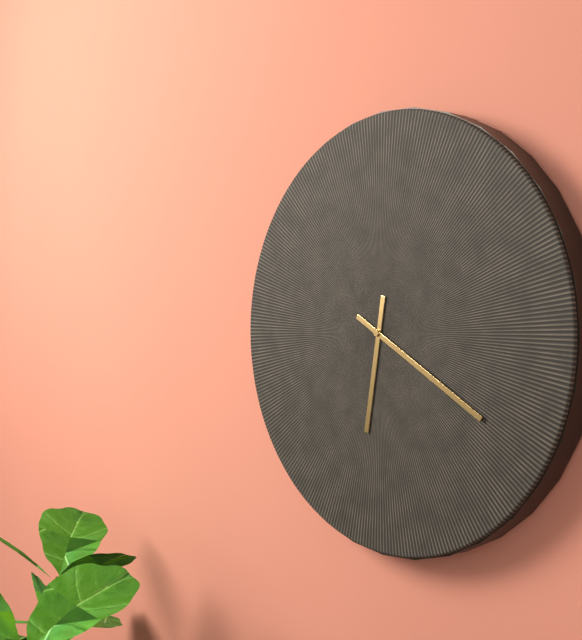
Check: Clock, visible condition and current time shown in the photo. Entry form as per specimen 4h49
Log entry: 6h20
